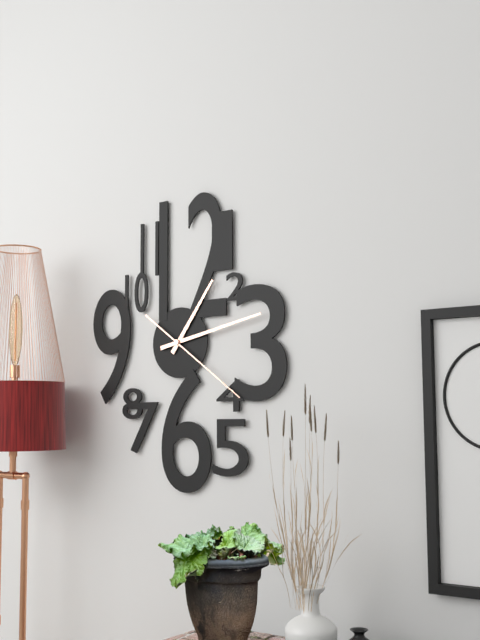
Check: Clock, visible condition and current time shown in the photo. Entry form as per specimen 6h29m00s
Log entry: 1h13m21s
